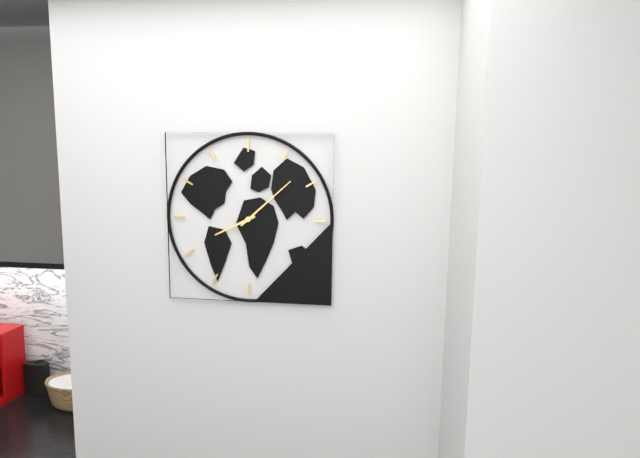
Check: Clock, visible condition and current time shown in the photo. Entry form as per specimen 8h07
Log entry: 8h08
